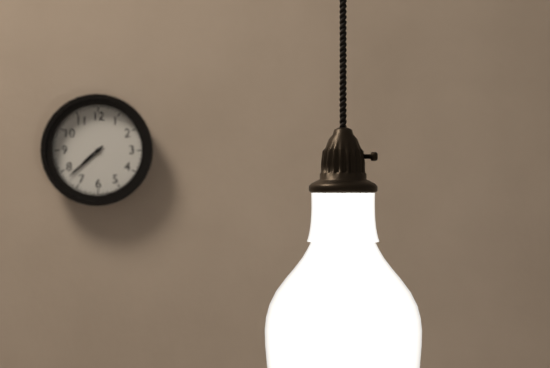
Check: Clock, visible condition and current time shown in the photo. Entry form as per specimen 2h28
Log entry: 7h38
